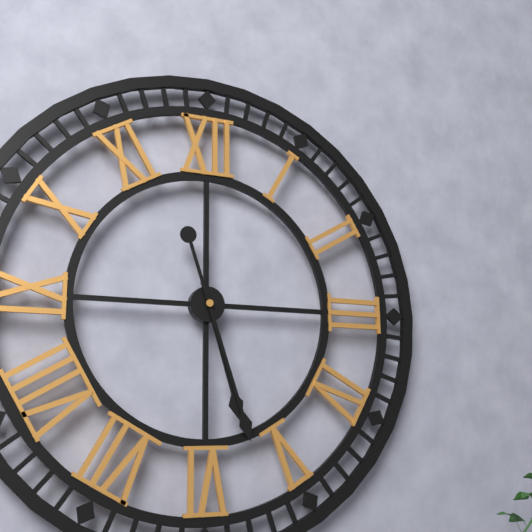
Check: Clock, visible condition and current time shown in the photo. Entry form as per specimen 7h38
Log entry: 5h27
